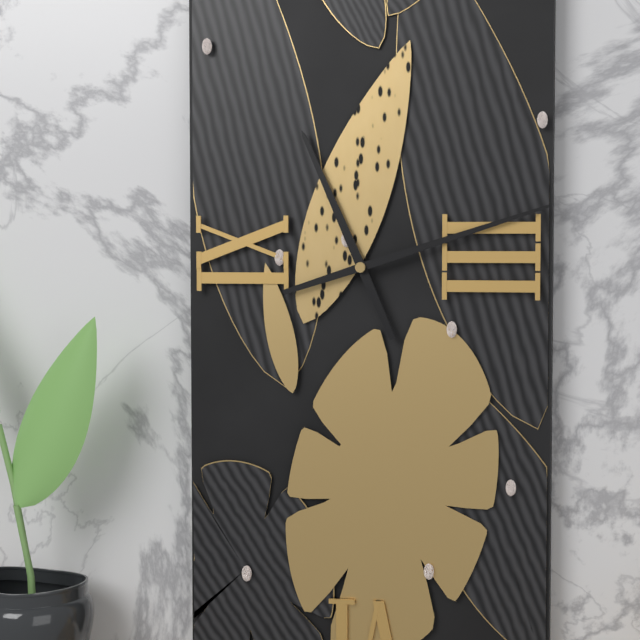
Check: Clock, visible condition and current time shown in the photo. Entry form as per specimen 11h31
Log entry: 11h12
